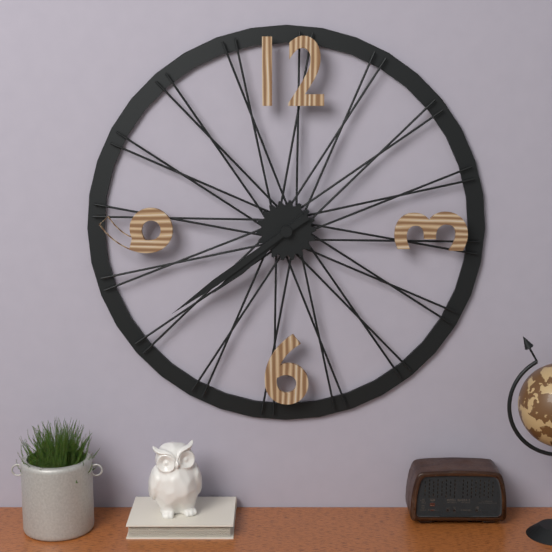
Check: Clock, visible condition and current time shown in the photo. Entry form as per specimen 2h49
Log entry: 7h39
